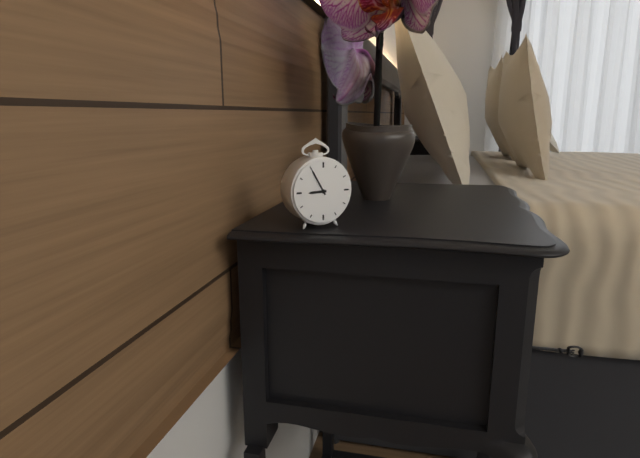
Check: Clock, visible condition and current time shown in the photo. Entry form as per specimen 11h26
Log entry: 8h55
